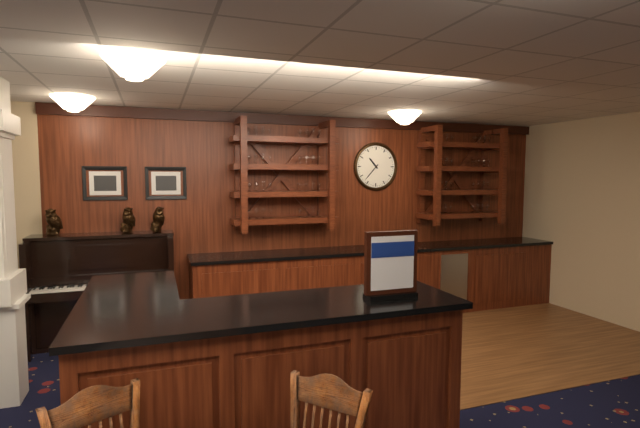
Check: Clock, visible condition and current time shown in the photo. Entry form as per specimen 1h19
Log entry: 10h37
